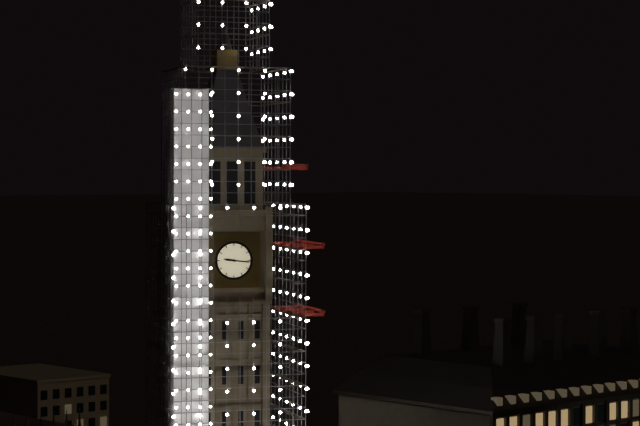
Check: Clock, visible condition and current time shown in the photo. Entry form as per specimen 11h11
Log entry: 9h16
